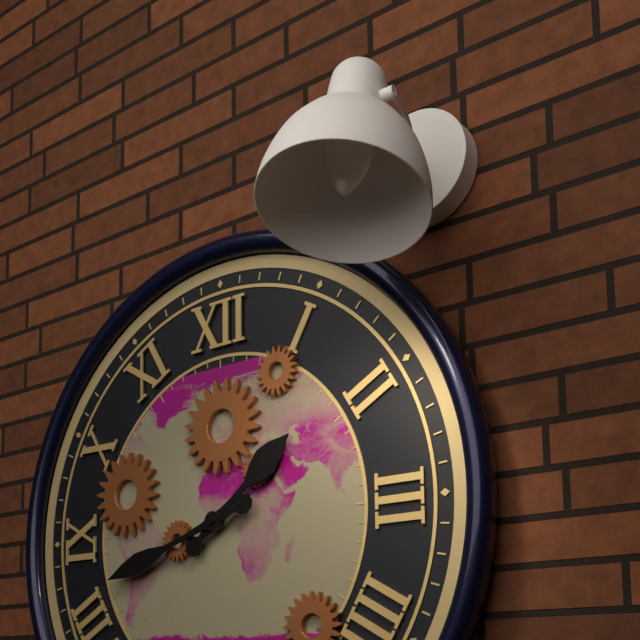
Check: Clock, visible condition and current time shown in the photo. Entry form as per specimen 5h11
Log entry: 1h42
